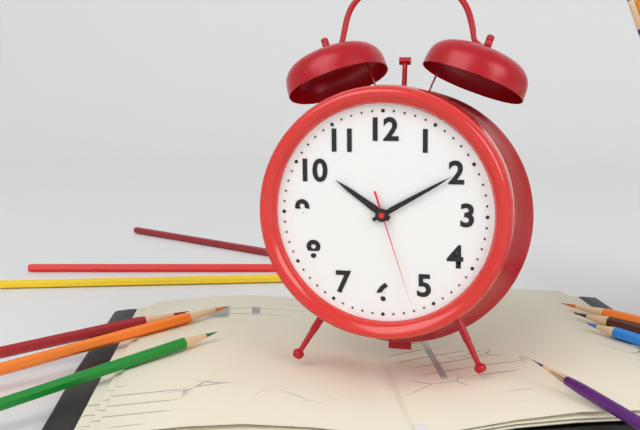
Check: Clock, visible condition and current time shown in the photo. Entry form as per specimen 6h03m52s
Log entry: 10h10m27s
